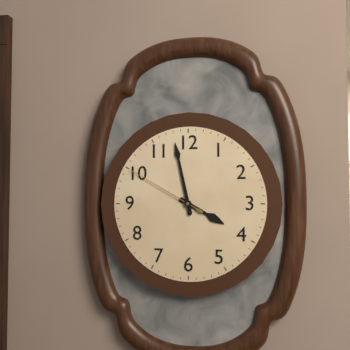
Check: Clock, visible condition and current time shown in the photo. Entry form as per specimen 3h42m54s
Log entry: 3h58m50s
